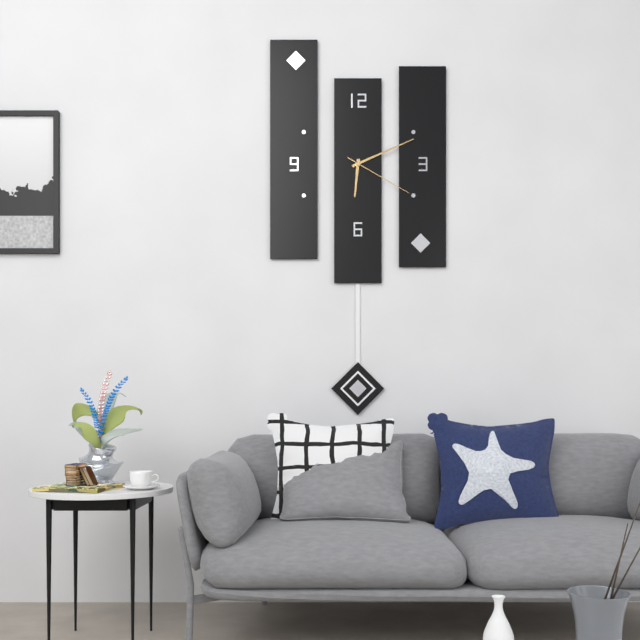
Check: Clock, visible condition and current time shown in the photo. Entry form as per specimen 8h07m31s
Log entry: 6h11m20s
